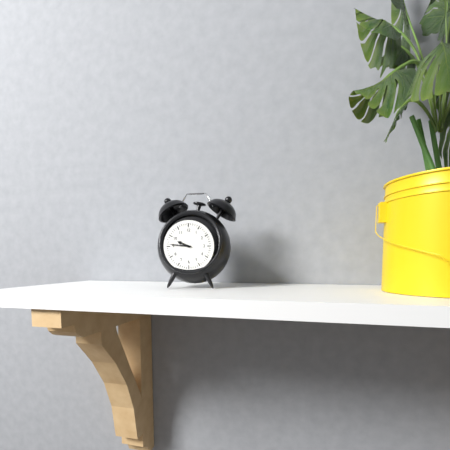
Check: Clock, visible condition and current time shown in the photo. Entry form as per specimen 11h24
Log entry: 9h46
